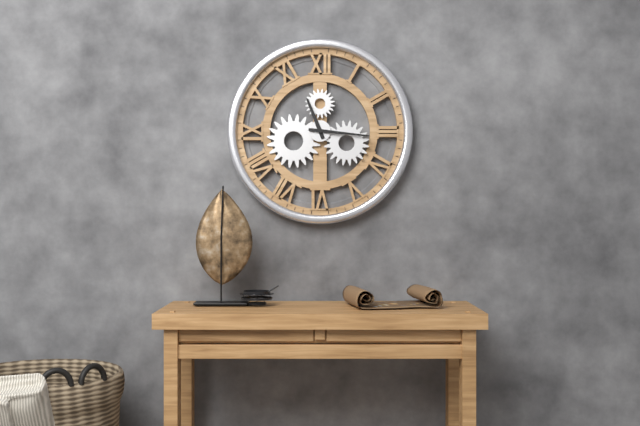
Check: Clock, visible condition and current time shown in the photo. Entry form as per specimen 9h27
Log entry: 11h16
